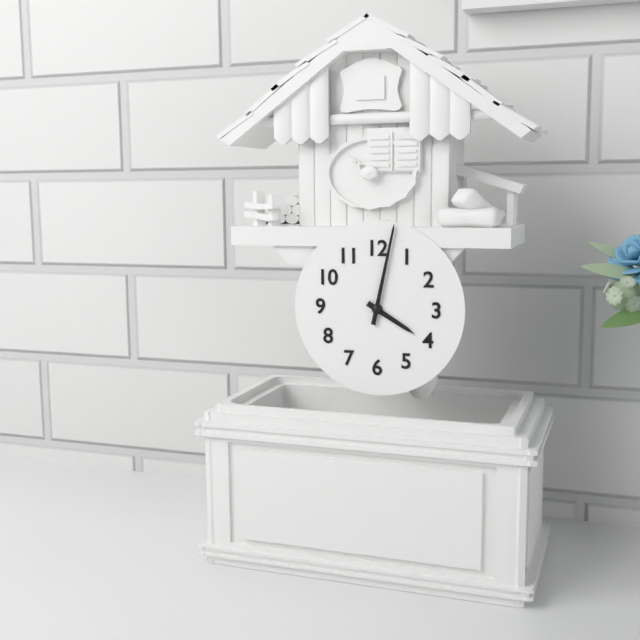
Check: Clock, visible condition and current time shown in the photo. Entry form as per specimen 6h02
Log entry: 4h02
